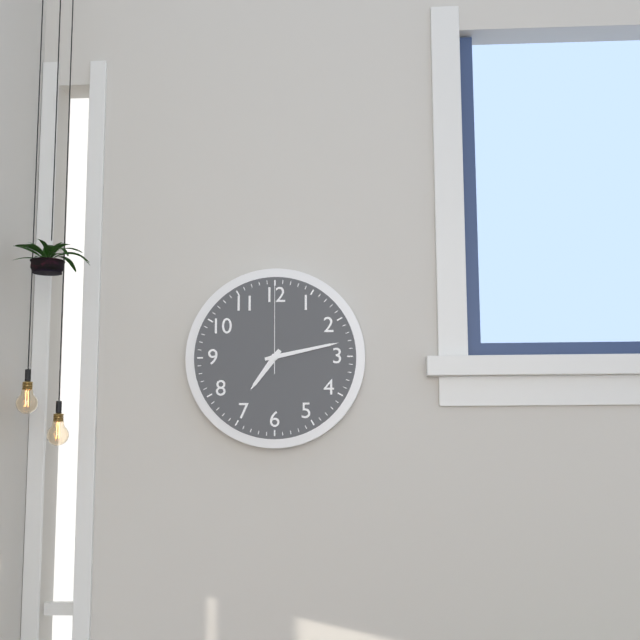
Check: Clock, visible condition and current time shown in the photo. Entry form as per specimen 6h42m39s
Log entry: 7h13m00s
